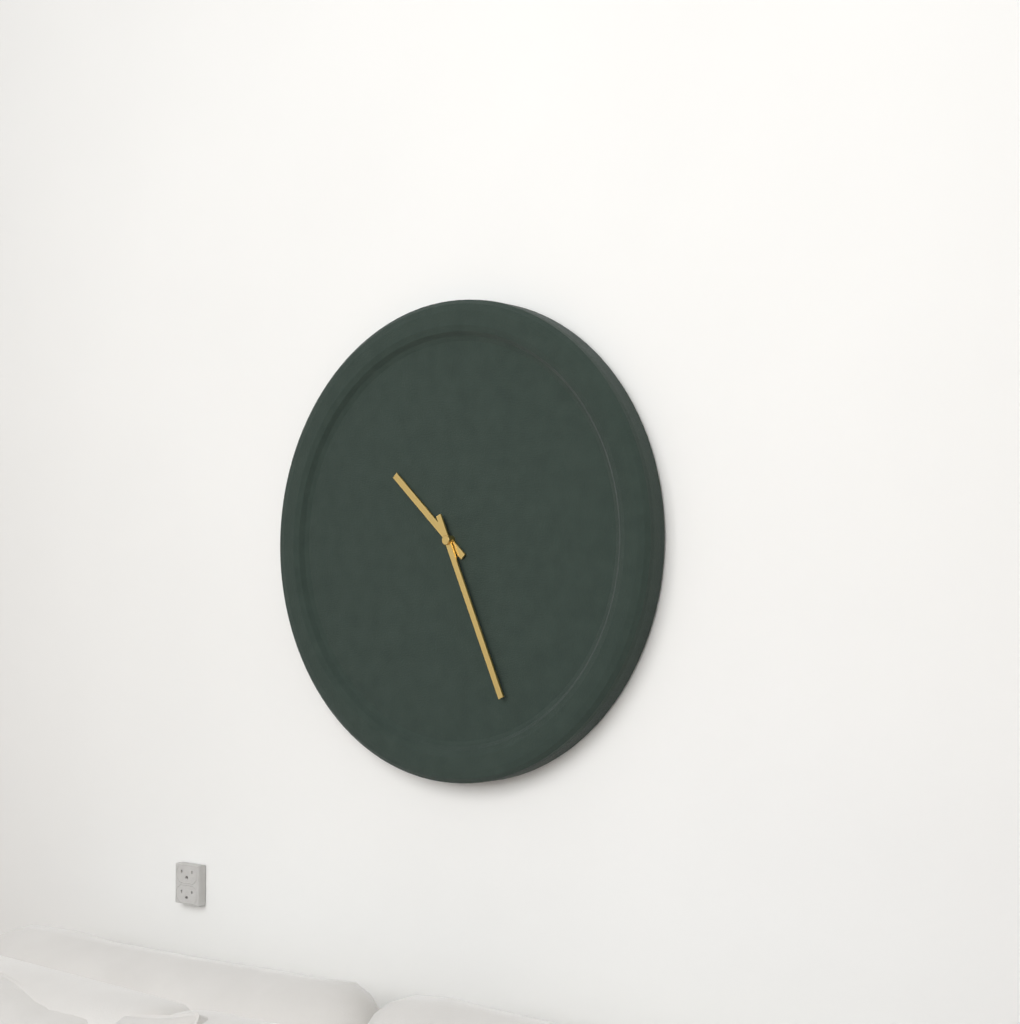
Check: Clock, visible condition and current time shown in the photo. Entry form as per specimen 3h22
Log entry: 10h26
